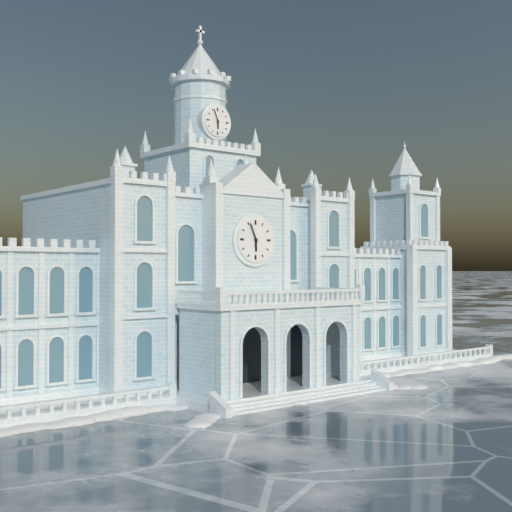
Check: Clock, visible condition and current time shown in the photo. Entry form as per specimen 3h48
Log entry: 5h56
